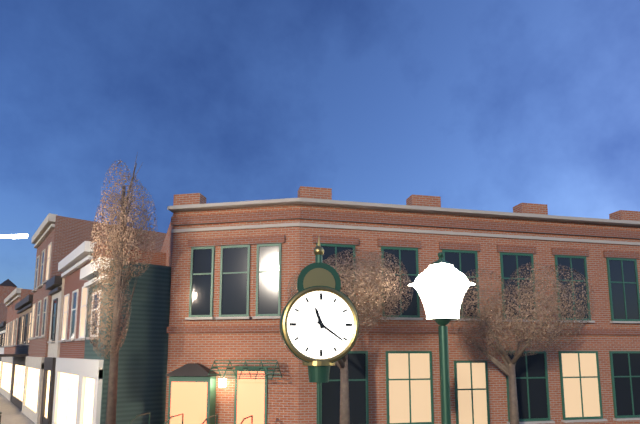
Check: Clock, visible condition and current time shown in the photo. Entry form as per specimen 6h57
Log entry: 11h21
